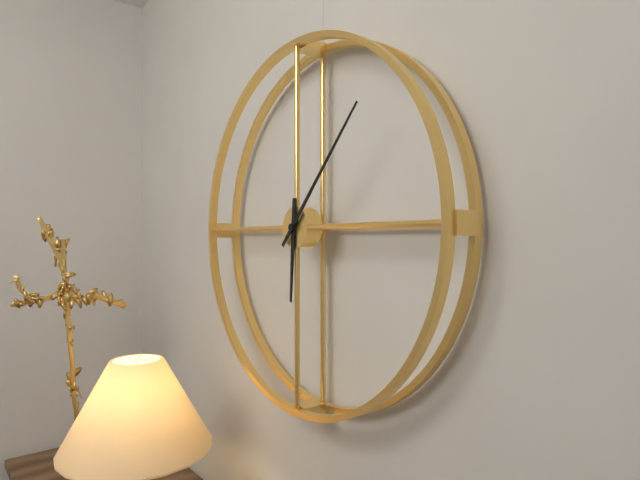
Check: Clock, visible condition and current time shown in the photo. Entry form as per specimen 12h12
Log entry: 6h07
